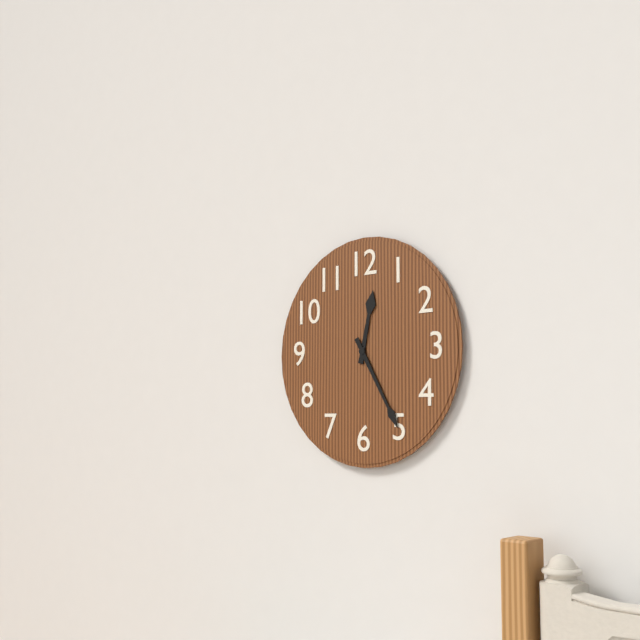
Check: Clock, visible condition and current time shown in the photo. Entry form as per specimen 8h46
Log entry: 12h25
